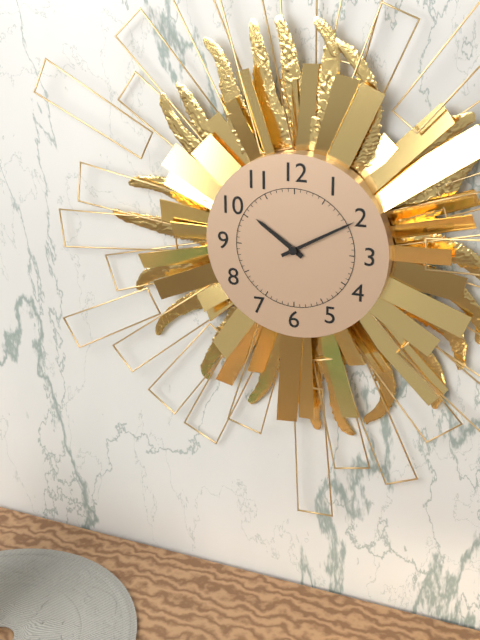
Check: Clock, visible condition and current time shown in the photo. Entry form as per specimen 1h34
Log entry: 10h10
